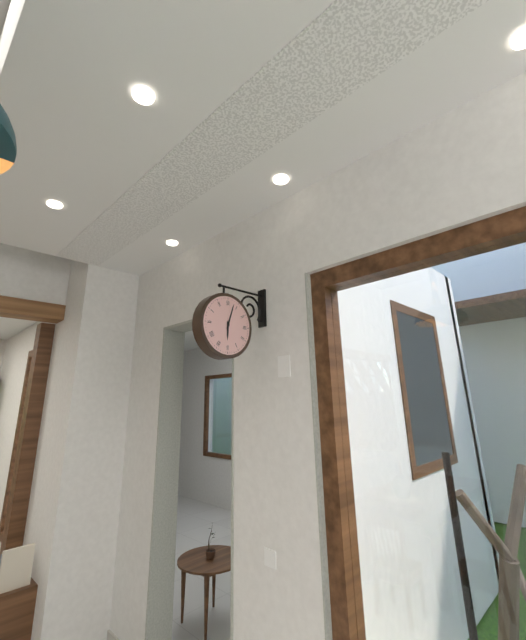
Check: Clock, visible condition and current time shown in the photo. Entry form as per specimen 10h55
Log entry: 6h03
